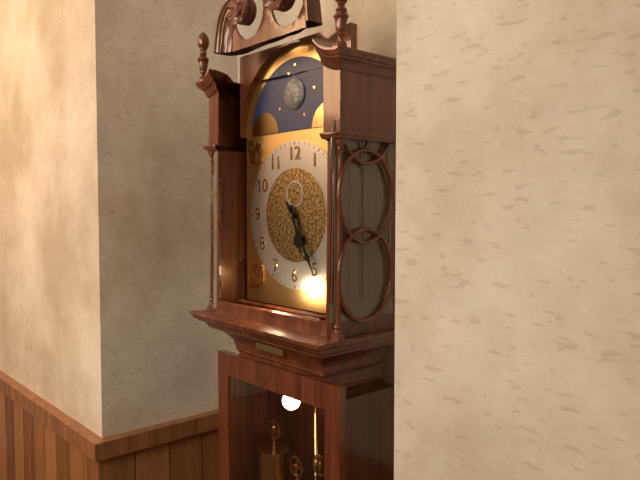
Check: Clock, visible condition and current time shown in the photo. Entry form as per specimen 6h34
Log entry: 5h25
